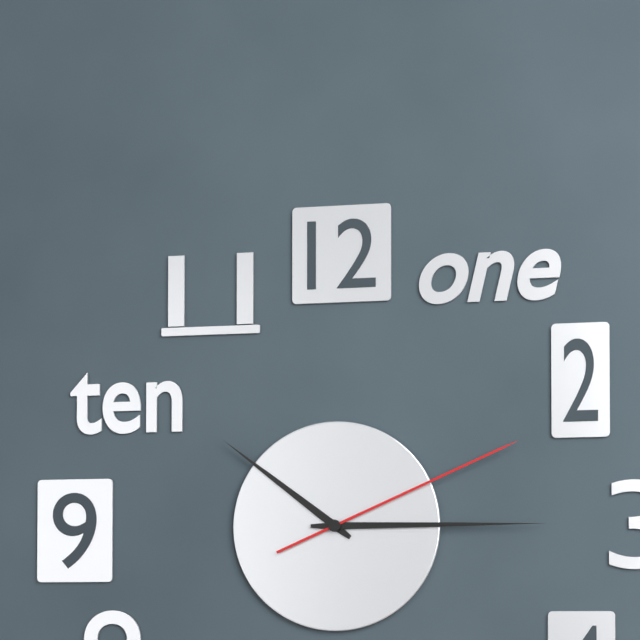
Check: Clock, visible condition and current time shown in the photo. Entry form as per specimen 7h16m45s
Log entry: 10h15m11s
